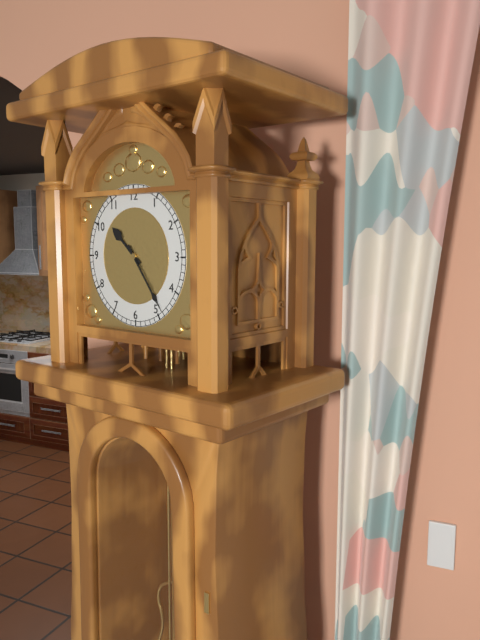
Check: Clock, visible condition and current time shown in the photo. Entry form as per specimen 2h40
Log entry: 10h24
